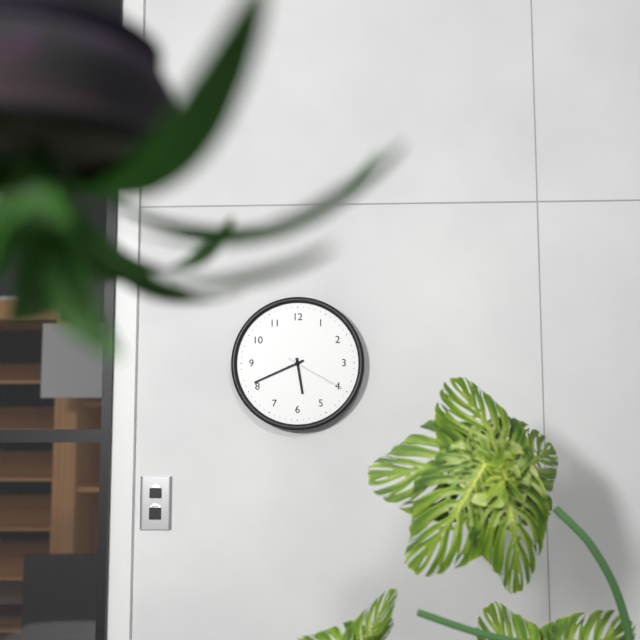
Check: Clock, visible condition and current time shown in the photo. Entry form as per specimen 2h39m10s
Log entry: 5h41m20s
